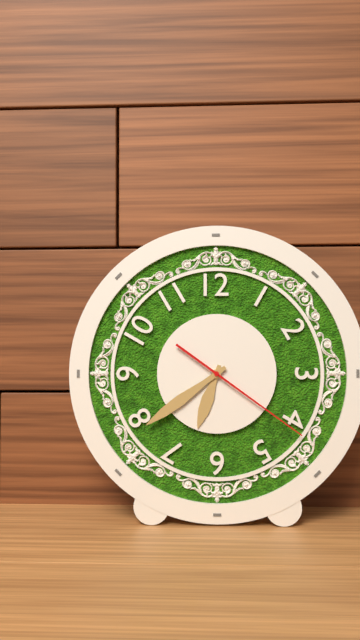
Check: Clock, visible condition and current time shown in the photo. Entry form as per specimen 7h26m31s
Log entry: 6h39m21s
